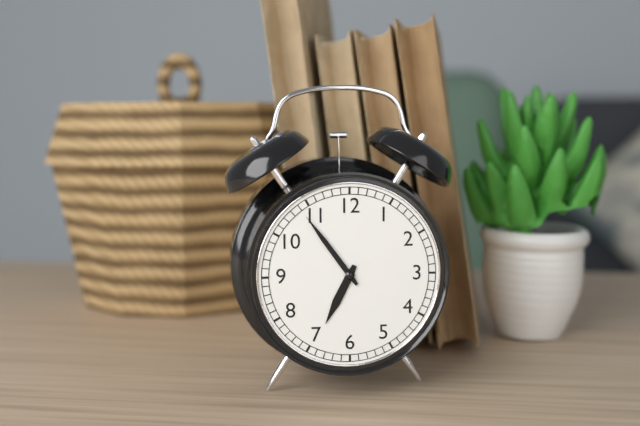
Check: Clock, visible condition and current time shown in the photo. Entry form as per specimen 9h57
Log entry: 6h54
